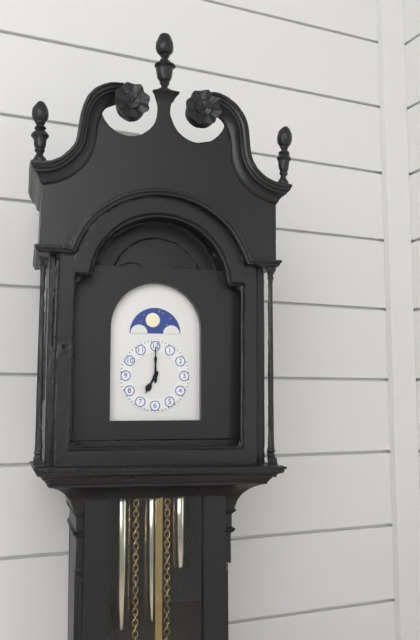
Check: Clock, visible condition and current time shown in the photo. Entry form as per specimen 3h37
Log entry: 7h00
